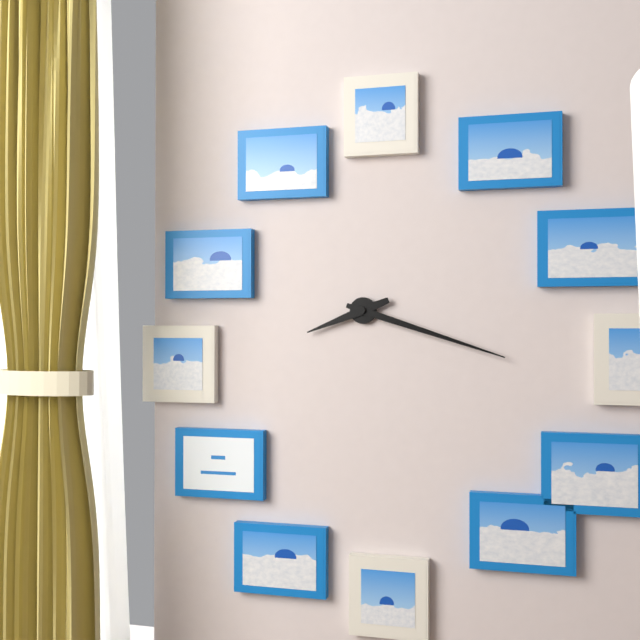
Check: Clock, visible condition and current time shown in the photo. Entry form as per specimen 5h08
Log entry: 8h18
